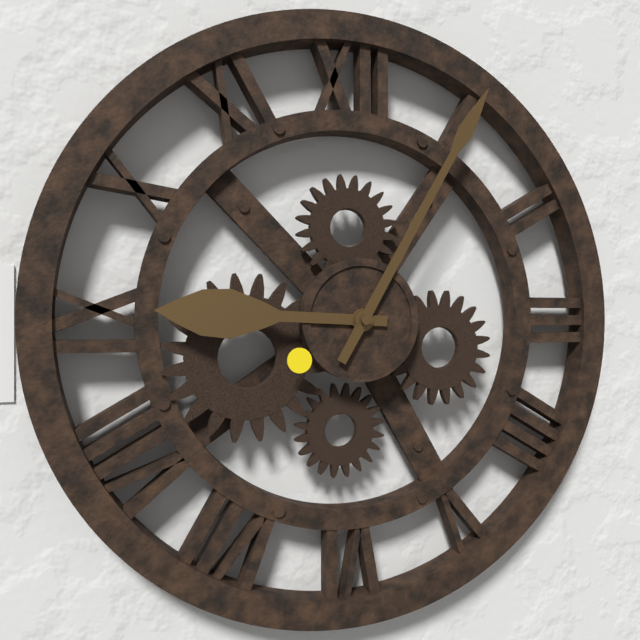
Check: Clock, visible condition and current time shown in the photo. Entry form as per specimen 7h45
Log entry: 9h05
